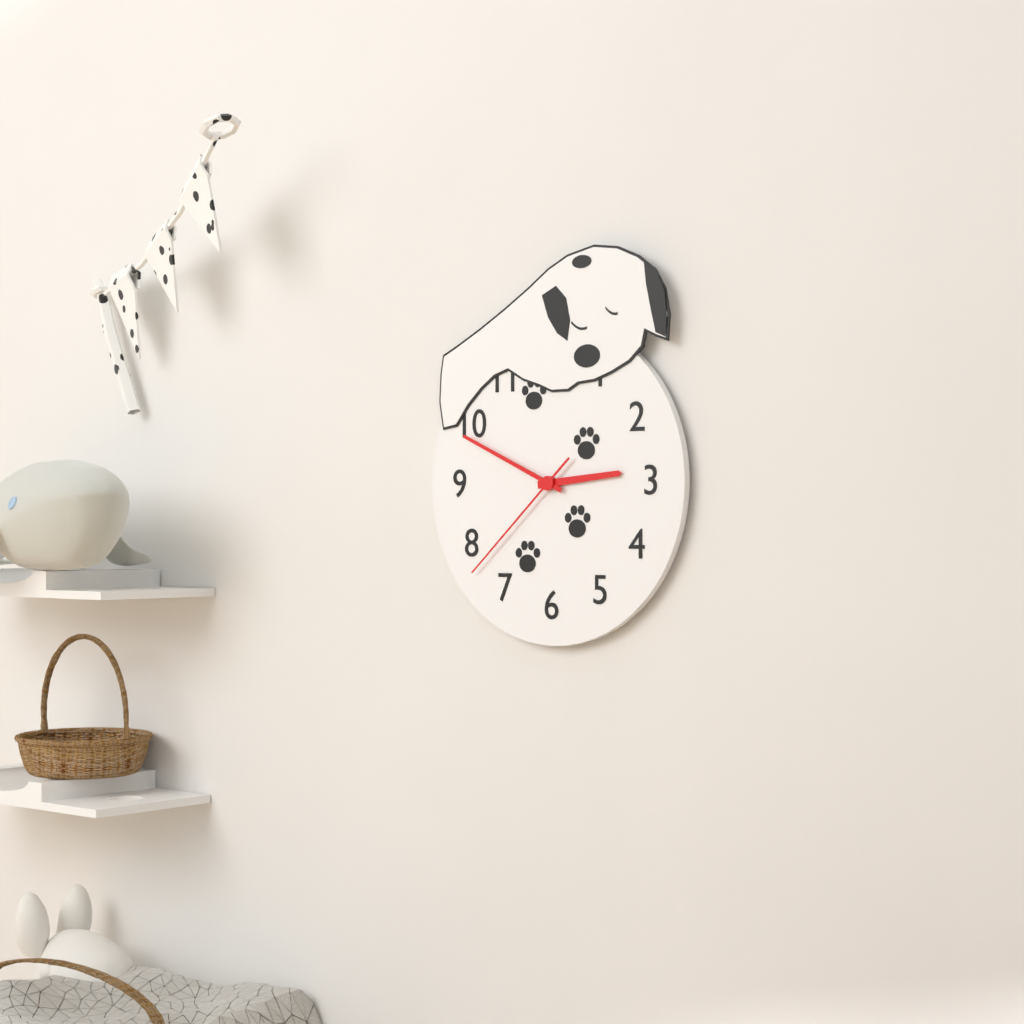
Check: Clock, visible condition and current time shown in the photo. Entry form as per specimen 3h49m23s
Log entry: 2h49m38s
